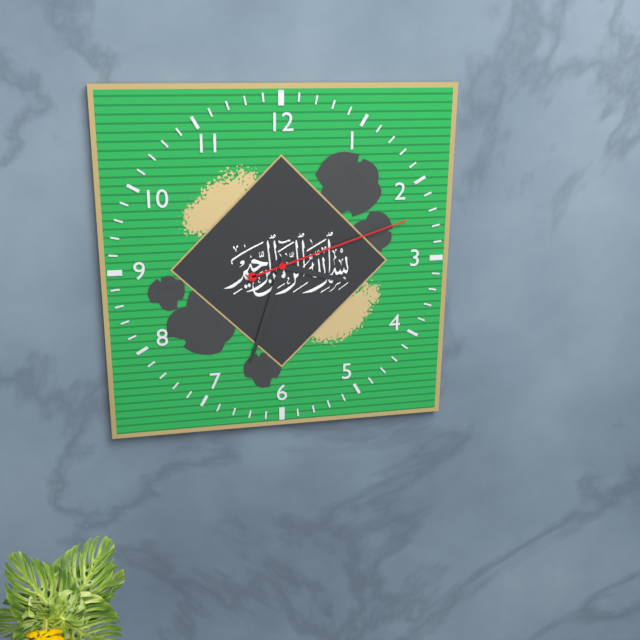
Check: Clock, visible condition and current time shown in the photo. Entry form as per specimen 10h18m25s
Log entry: 3h33m12s
